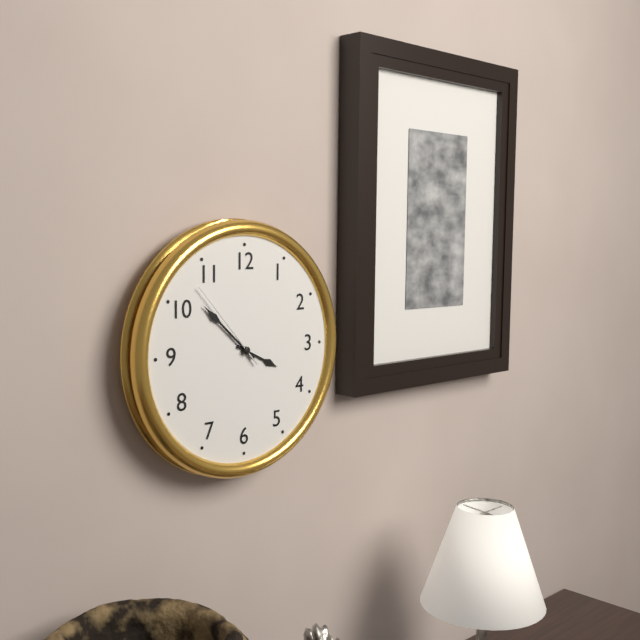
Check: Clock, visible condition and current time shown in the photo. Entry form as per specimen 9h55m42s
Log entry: 3h52m53s
